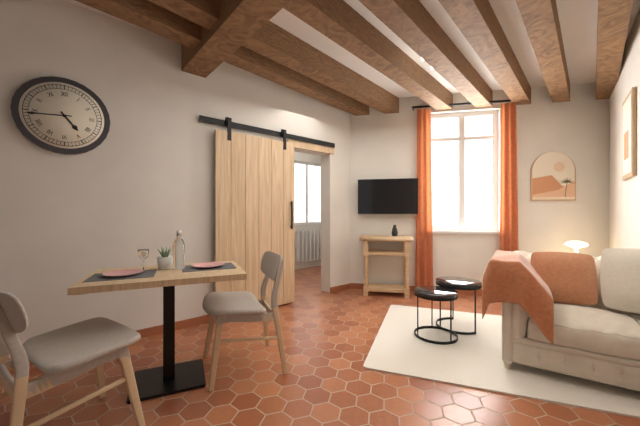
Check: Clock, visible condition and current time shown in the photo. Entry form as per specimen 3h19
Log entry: 4h44
